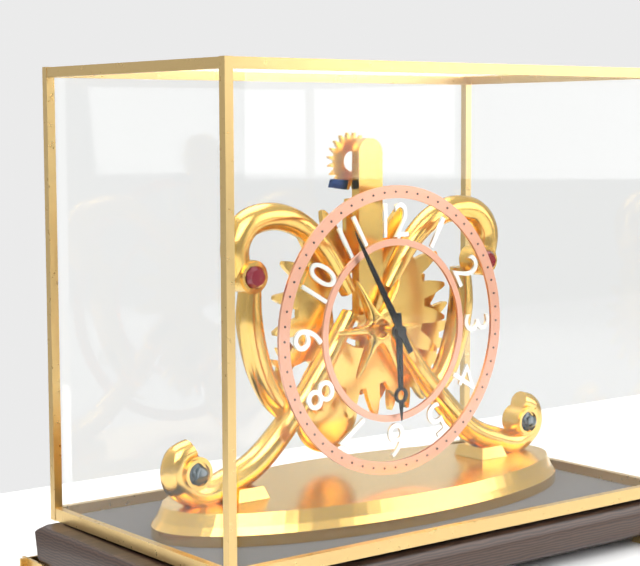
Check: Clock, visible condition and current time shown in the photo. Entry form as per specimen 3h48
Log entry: 5h55
